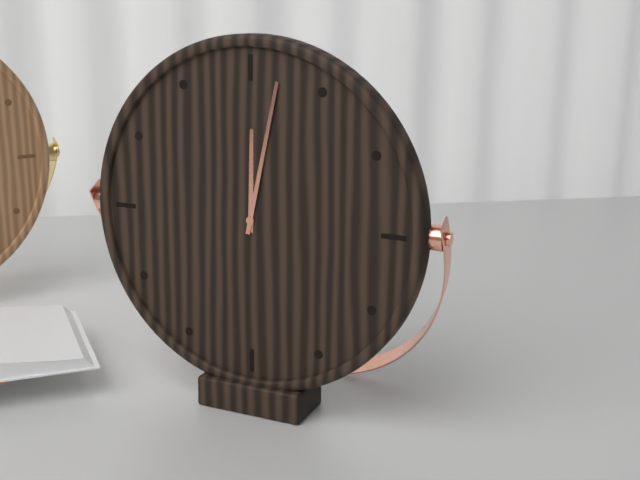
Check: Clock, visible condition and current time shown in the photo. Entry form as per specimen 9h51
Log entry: 12h02
